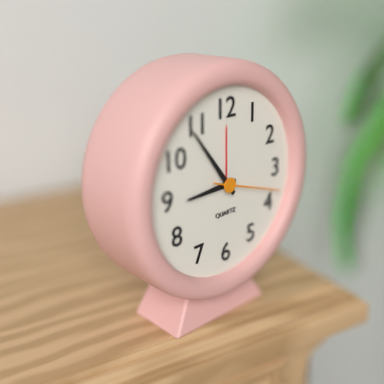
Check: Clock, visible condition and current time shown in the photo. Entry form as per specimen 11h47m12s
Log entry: 8h54m18s
